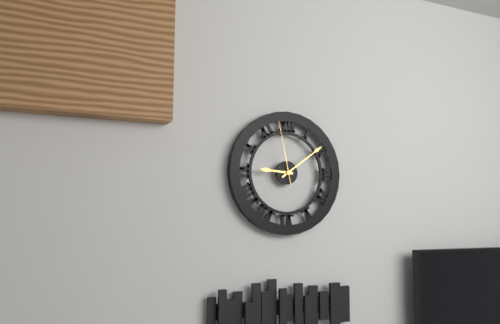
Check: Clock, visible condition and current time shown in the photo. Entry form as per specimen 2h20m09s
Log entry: 9h09m58s
